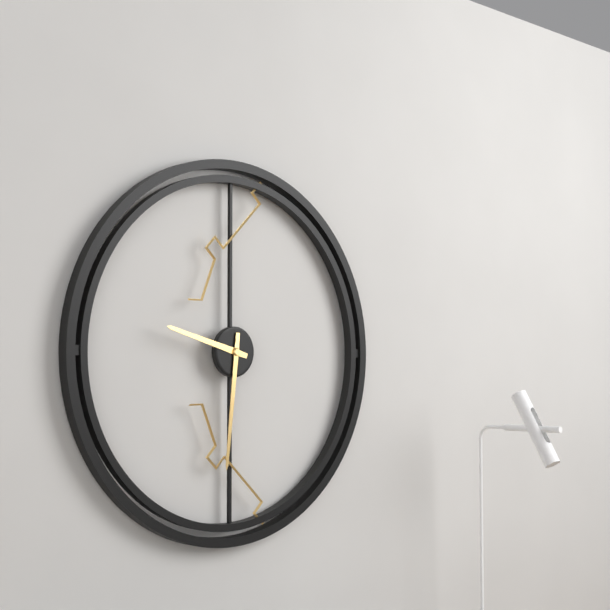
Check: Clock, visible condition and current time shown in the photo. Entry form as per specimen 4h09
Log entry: 9h31
